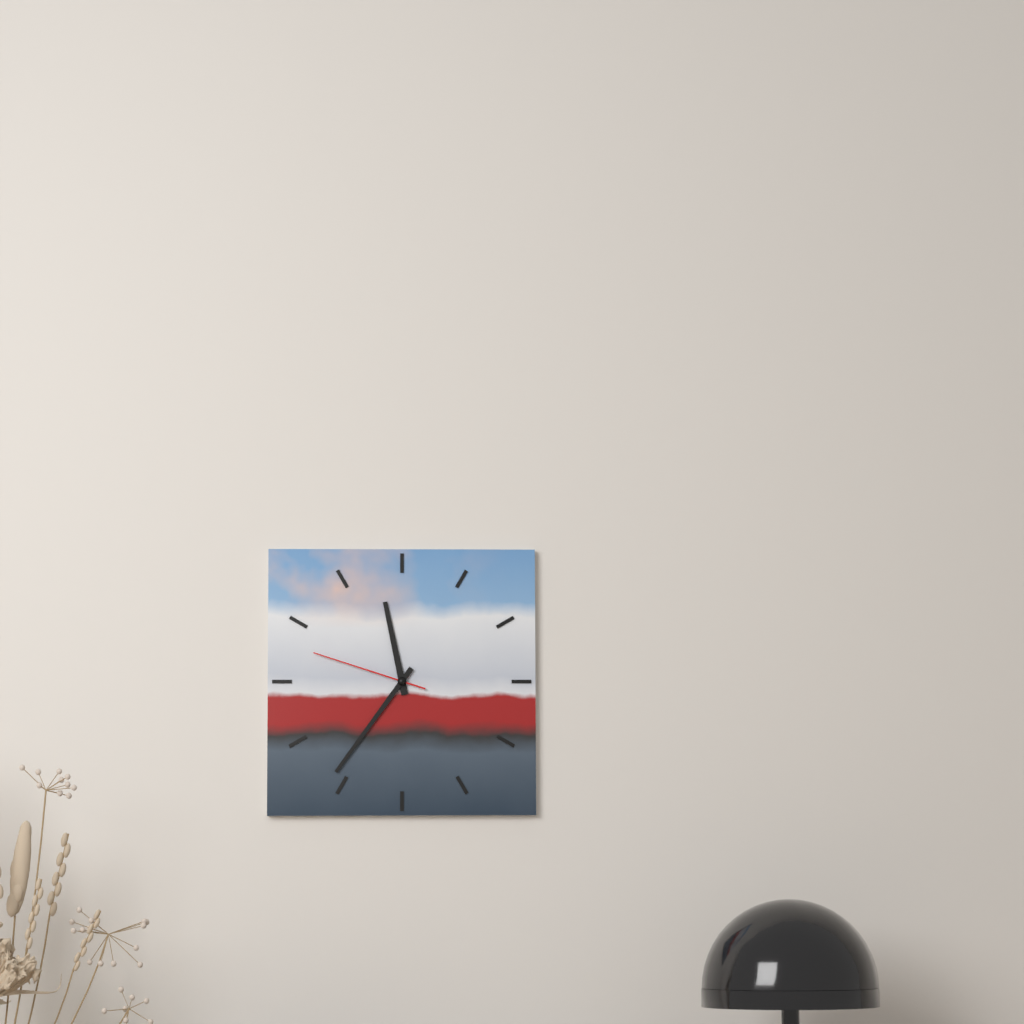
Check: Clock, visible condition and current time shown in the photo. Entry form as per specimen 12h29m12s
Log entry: 11h36m48s
